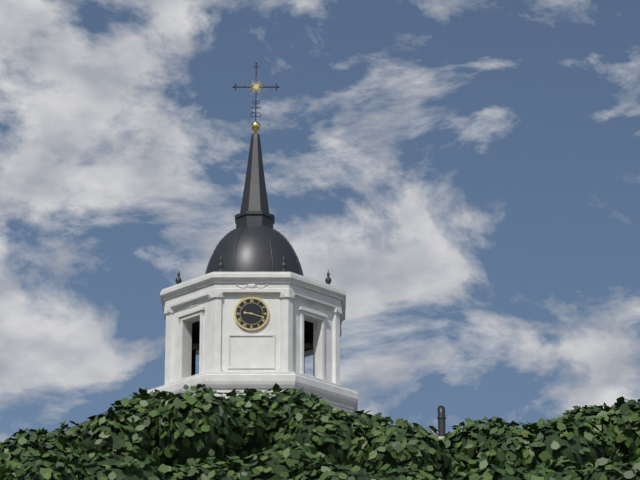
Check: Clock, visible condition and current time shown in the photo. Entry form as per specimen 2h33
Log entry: 9h18
